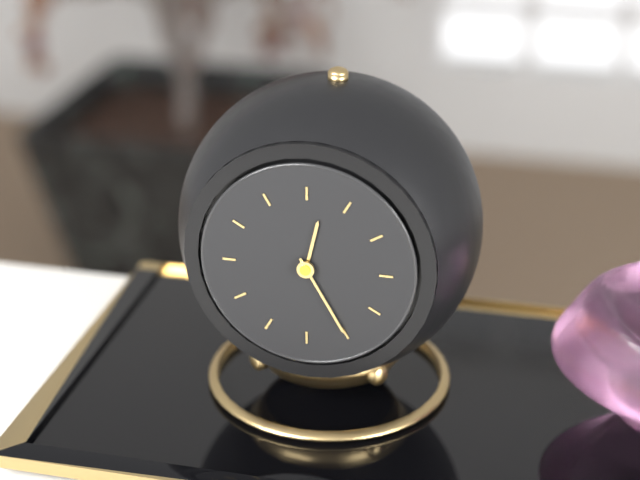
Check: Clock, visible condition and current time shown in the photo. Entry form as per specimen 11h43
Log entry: 12h25
